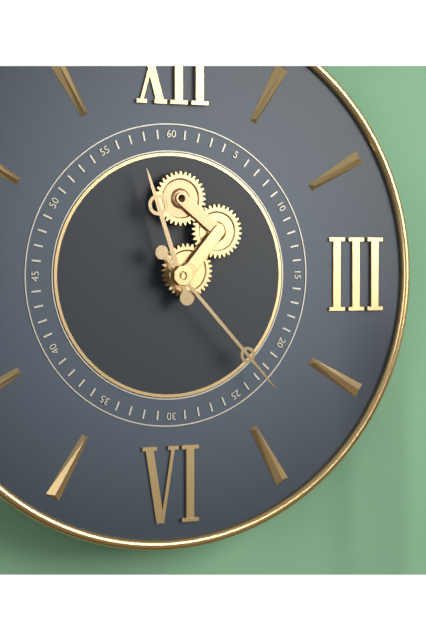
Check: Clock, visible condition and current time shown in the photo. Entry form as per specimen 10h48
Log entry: 11h23
